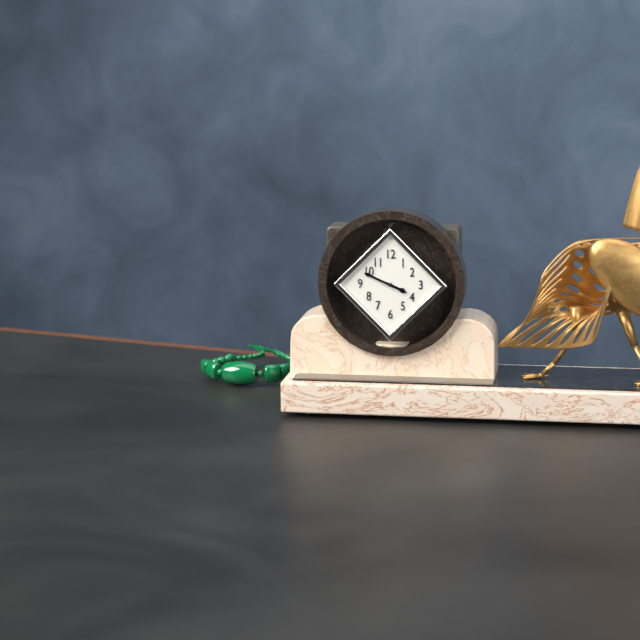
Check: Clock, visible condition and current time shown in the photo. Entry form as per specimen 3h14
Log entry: 3h49
